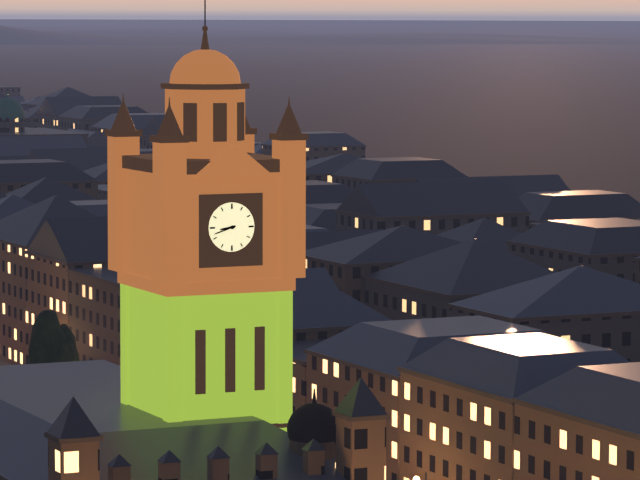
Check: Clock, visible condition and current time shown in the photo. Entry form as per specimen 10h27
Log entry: 8h42
